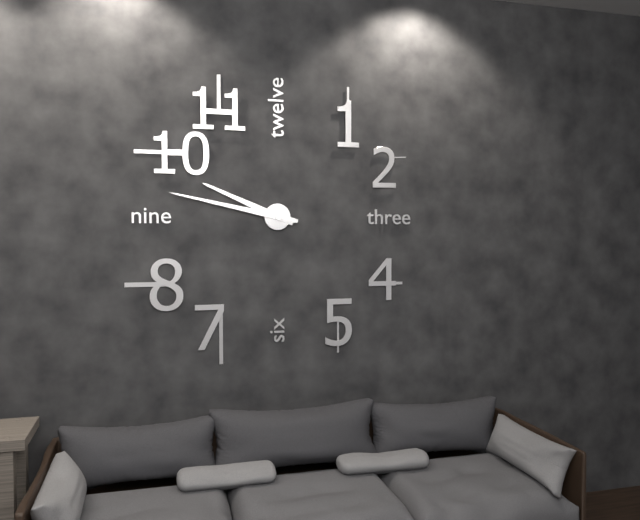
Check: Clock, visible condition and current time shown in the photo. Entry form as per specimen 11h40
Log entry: 9h47
